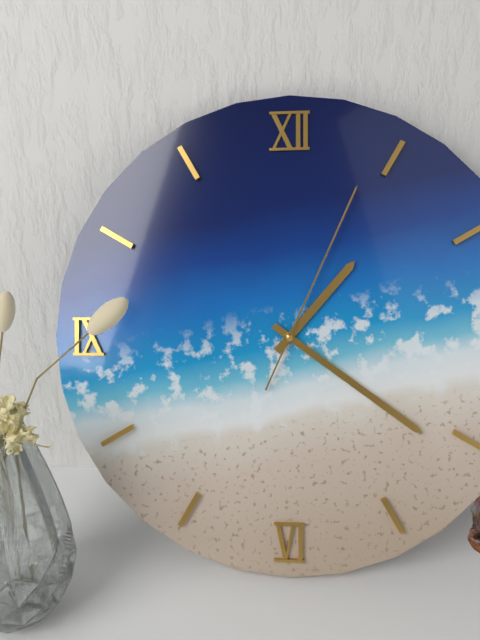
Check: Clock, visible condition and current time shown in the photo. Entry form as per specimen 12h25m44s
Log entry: 1h21m04s
